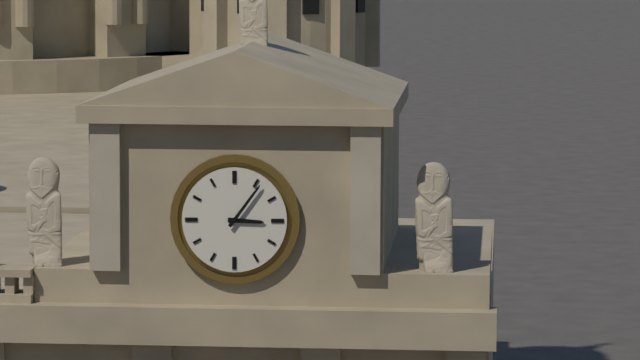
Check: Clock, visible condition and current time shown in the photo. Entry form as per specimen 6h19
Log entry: 3h06
